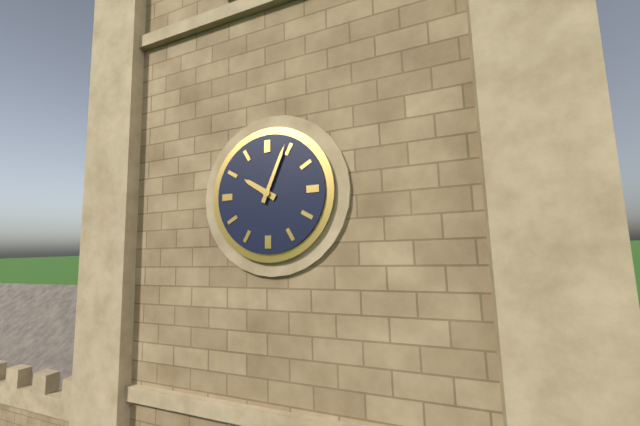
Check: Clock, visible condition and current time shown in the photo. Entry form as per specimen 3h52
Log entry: 10h04
